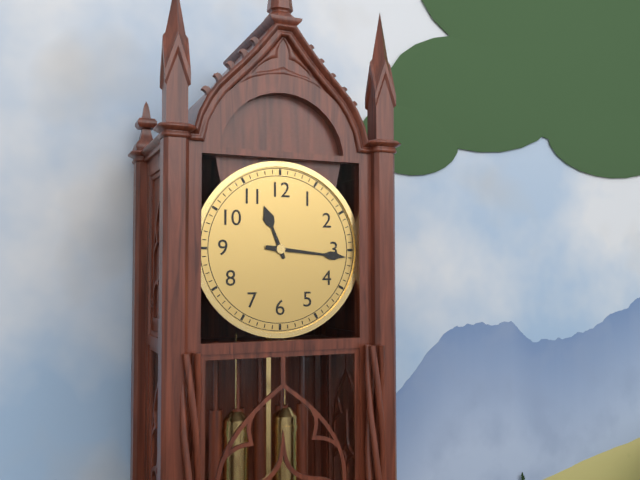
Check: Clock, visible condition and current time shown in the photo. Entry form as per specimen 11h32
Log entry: 11h16
